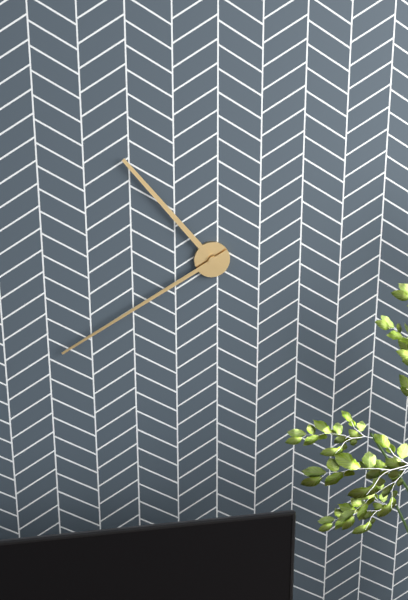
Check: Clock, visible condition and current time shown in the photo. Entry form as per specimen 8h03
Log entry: 10h40
